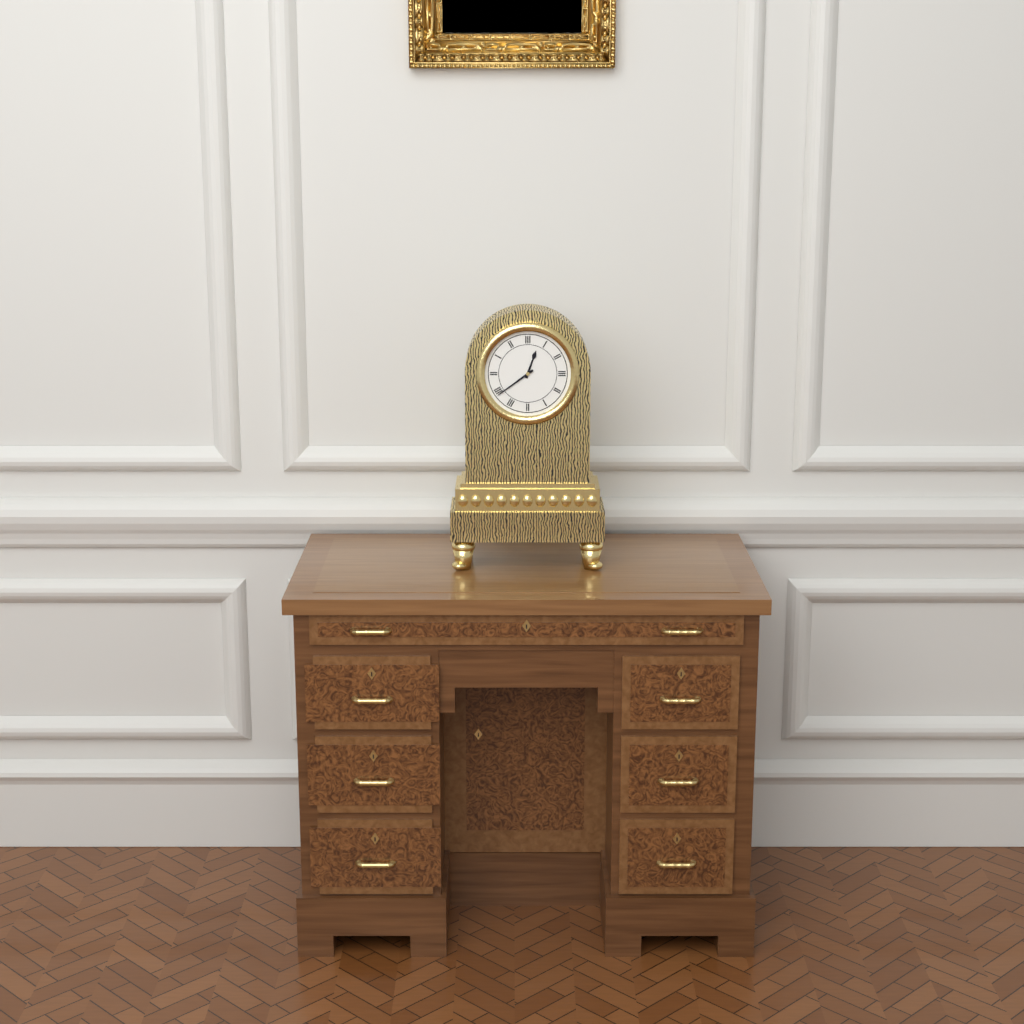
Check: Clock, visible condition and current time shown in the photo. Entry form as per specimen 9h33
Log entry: 12h39
